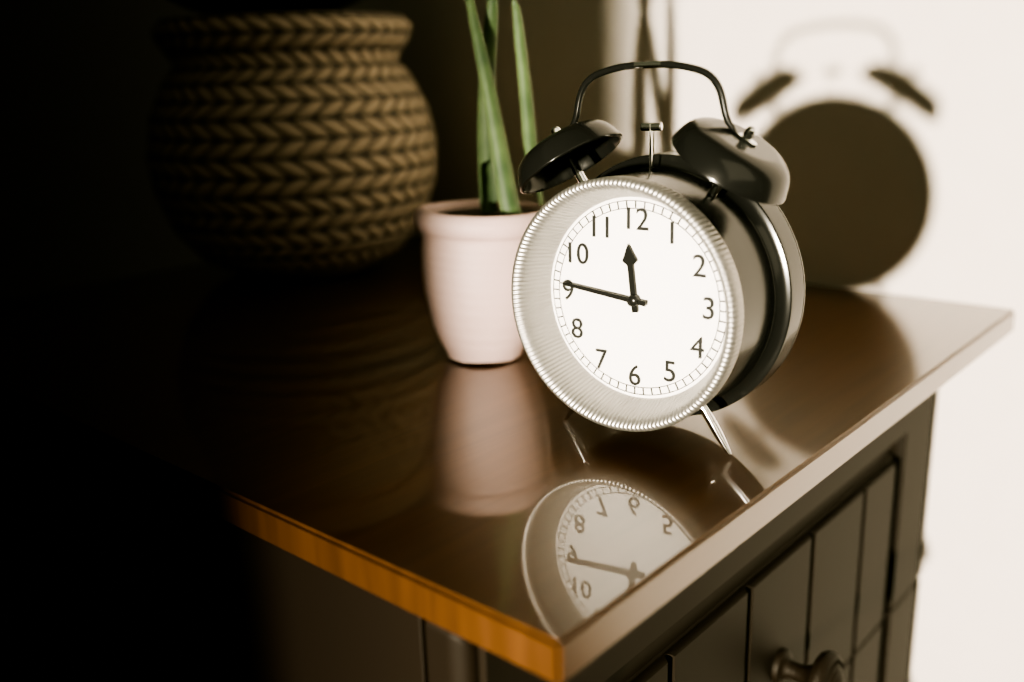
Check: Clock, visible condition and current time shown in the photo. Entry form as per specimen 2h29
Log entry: 11h46
